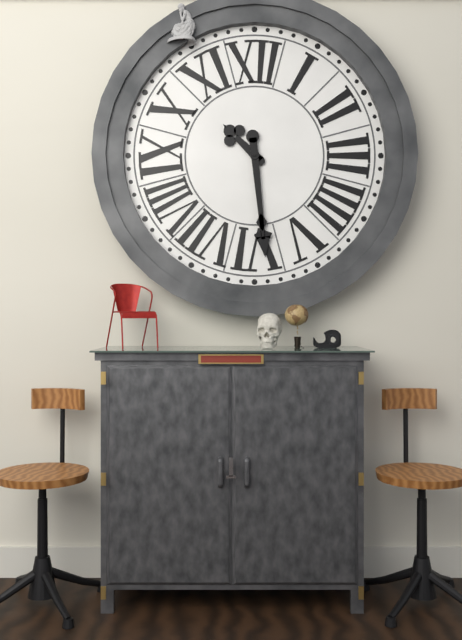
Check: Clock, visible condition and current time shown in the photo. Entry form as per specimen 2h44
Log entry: 10h29
